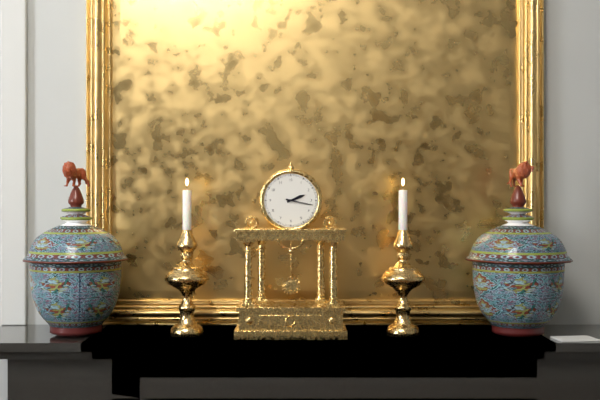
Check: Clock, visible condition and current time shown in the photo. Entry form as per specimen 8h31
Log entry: 2h17
